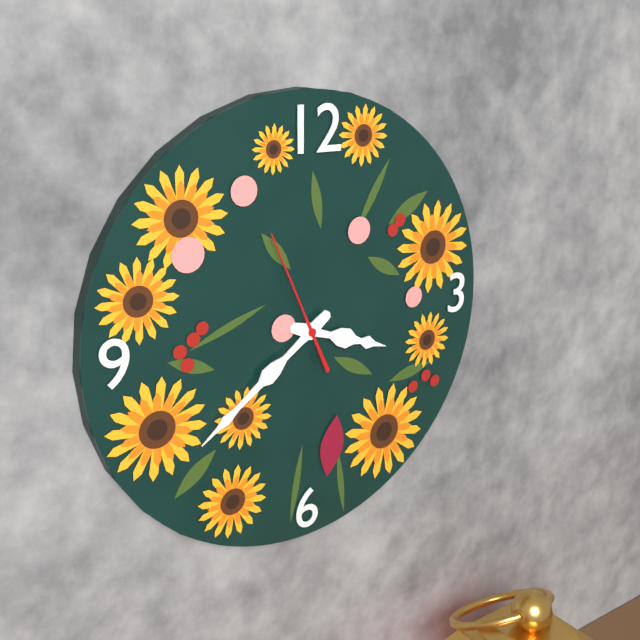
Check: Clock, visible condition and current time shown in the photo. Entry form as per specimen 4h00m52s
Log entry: 3h39m56s
